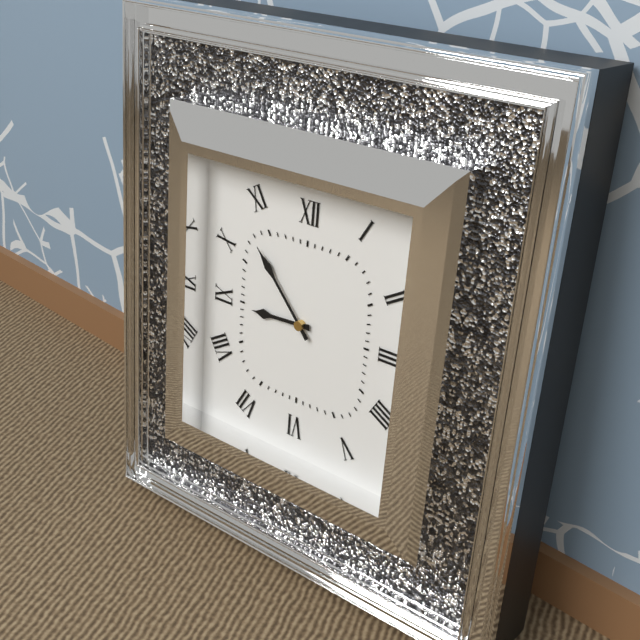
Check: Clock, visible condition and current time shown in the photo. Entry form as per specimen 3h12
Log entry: 8h53
